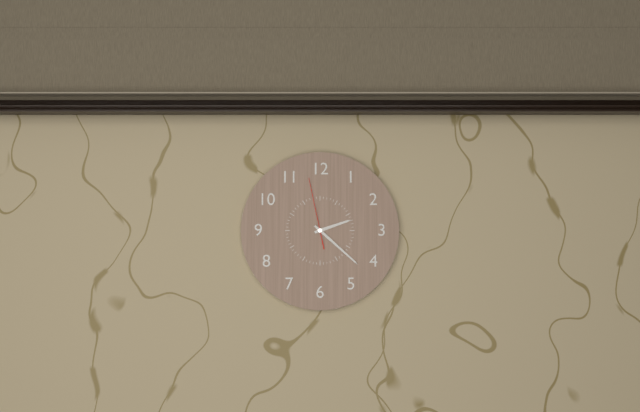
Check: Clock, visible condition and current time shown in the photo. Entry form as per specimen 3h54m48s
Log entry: 2h22m58s
